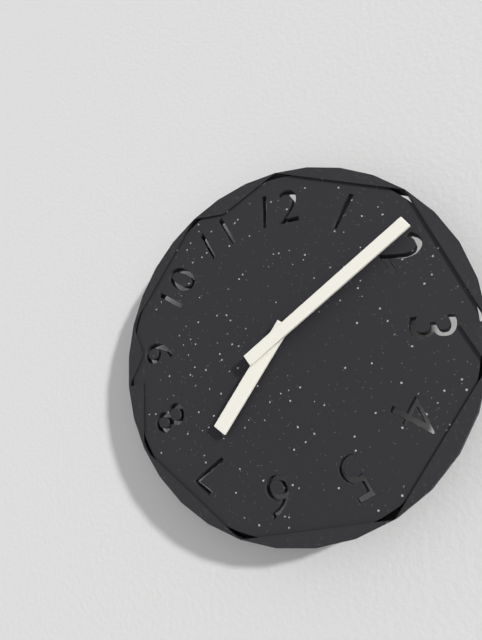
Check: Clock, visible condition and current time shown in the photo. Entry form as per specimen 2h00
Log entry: 7h09
